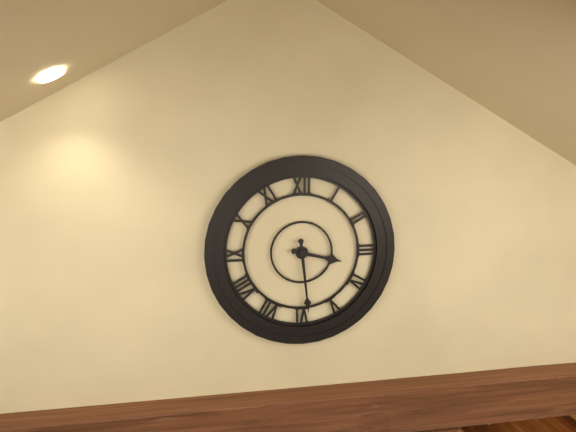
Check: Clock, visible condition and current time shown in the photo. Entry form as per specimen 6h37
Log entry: 3h29
